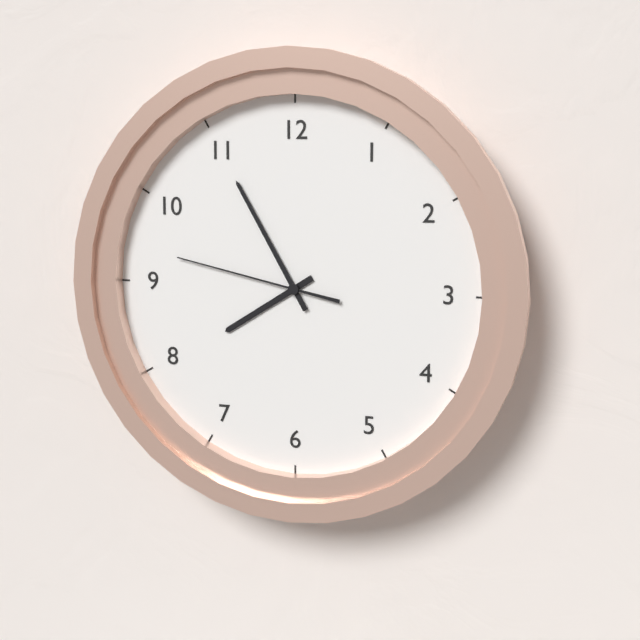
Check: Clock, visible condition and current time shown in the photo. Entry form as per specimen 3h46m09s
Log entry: 7h55m47s
